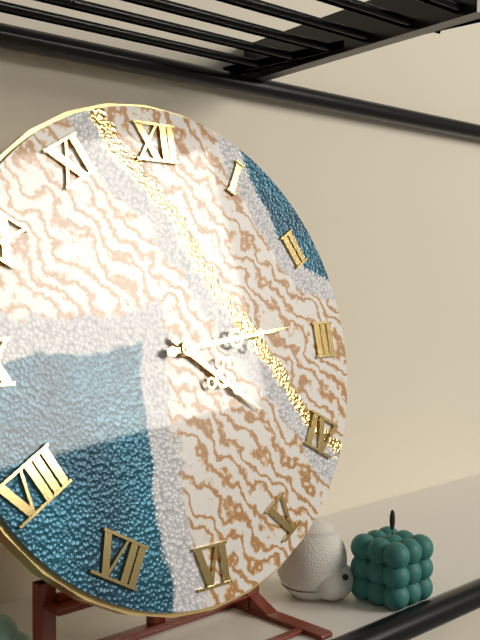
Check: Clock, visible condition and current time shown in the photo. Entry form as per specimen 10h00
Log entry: 4h14
